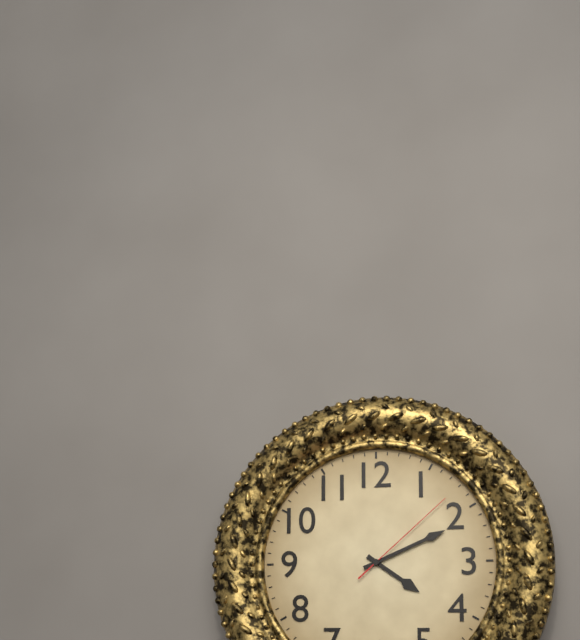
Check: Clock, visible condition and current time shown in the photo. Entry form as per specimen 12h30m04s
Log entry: 4h11m08s
